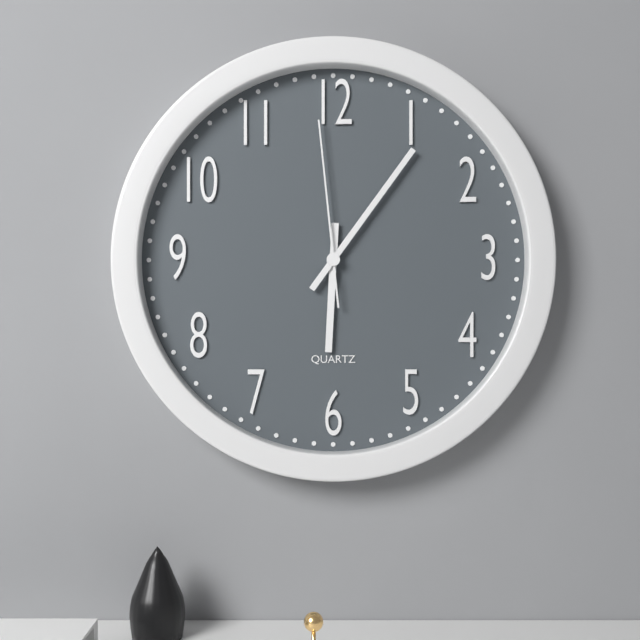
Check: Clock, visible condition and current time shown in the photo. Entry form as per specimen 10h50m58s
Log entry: 6h06m59s
